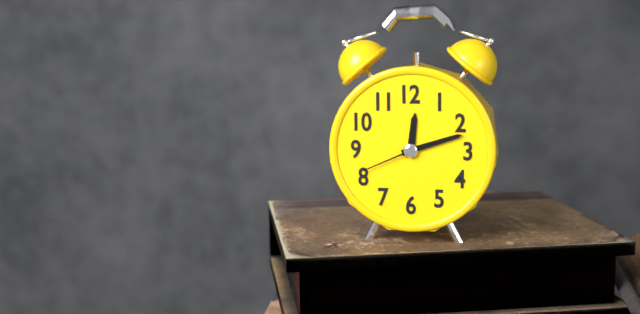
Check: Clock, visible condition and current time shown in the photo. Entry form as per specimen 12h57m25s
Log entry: 12h12m41s
